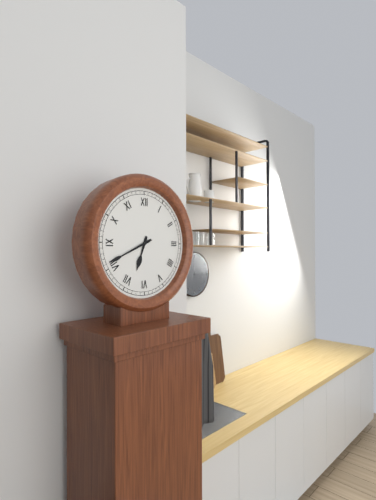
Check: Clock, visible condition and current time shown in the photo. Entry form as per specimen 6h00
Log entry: 6h41
